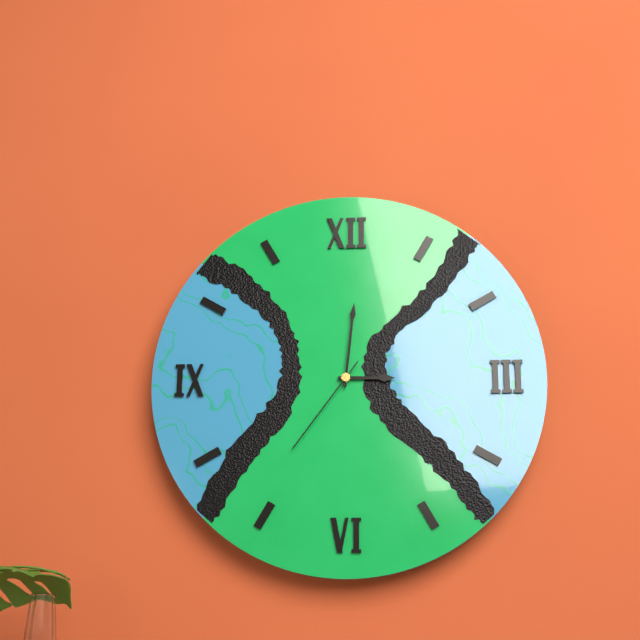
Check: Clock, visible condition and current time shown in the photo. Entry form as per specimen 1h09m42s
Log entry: 3h01m36s
